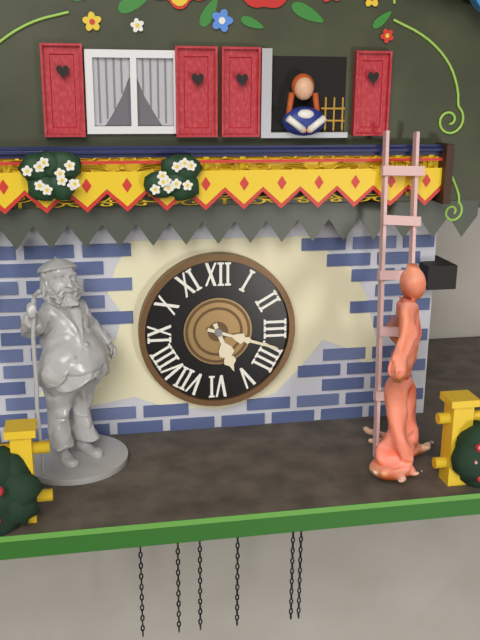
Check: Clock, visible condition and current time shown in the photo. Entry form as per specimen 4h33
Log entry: 5h18
